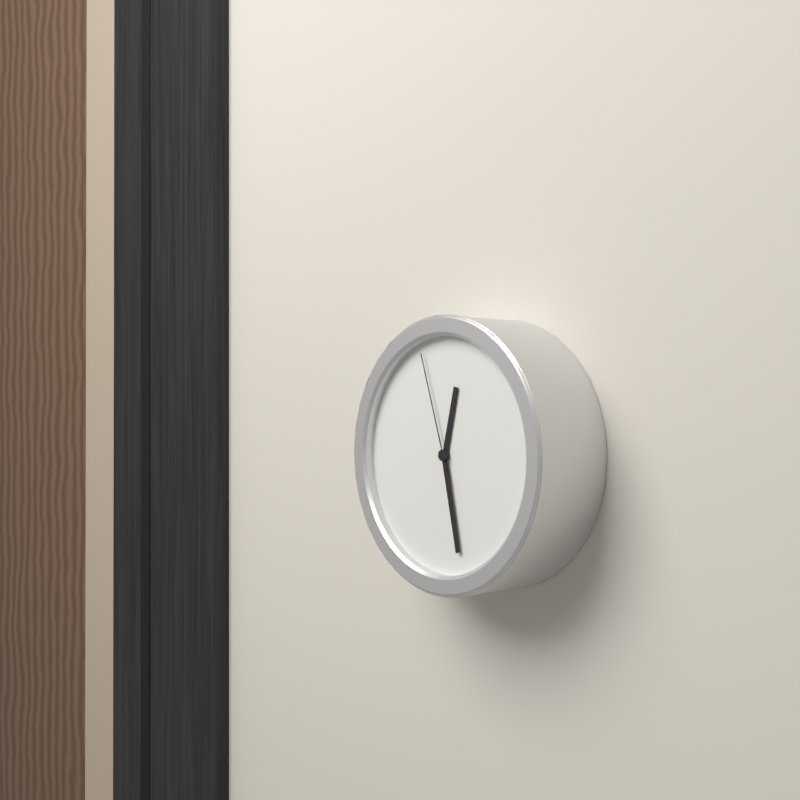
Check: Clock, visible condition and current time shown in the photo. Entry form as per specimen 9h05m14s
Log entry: 12h28m57s
